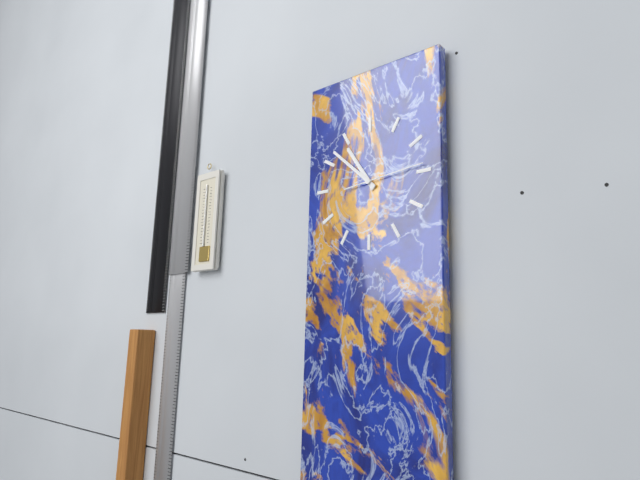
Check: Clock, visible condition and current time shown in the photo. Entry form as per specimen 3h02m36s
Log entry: 10h52m14s
